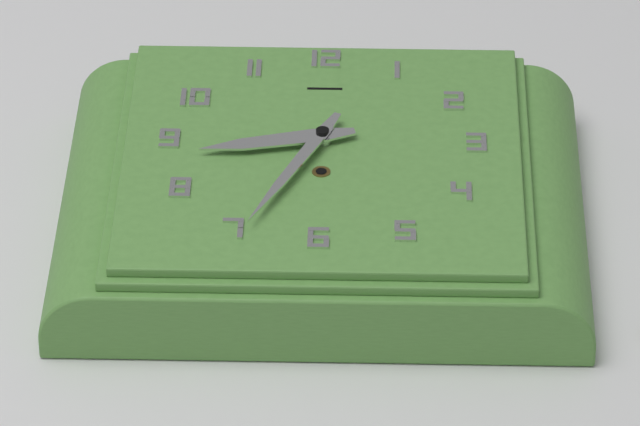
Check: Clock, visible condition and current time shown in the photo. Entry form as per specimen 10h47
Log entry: 8h34
